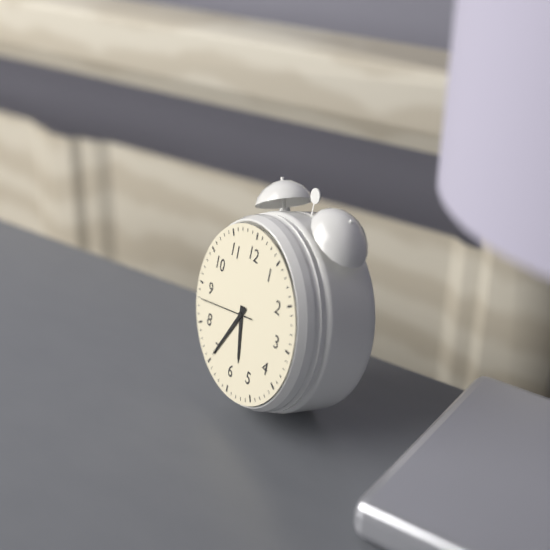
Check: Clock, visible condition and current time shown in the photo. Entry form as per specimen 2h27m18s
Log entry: 5h35m43s
